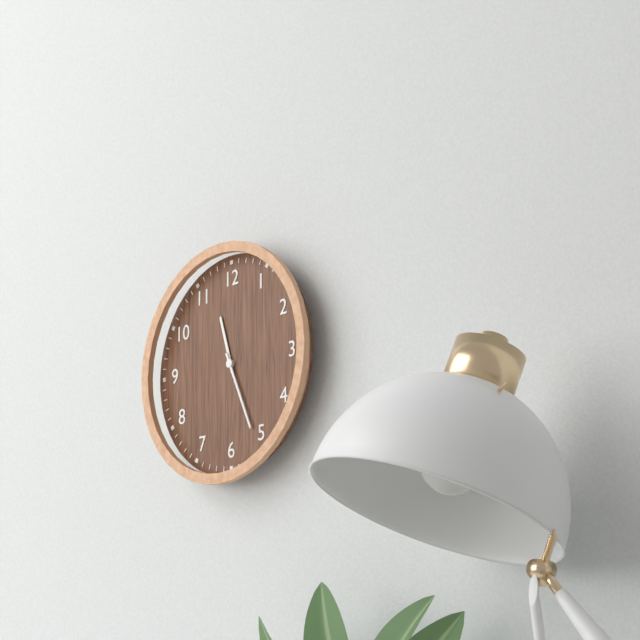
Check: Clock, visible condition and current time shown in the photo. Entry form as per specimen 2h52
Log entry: 11h26
